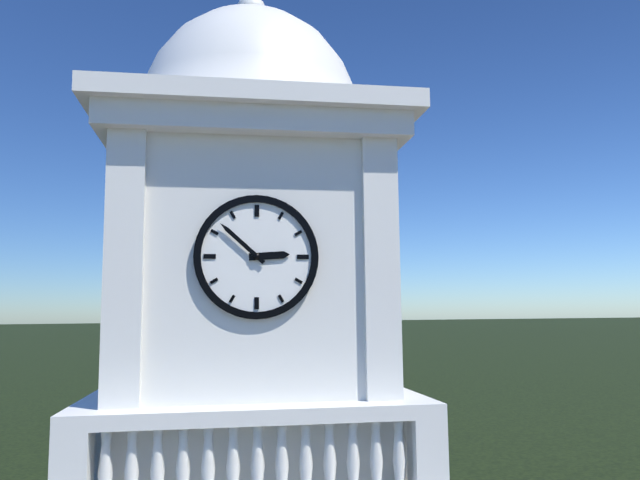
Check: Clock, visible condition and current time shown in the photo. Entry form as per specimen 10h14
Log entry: 2h52
